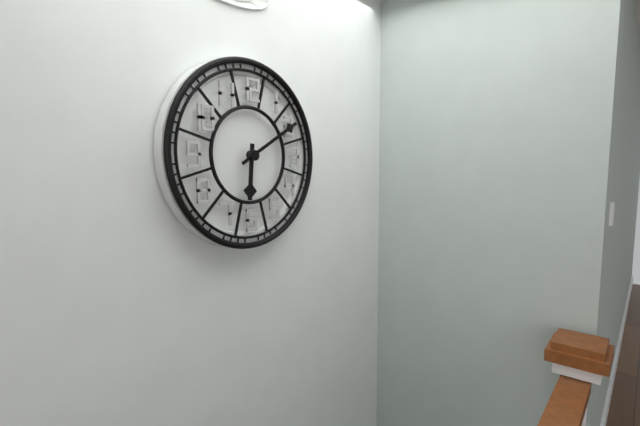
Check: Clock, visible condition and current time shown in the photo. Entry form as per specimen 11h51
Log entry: 6h10
